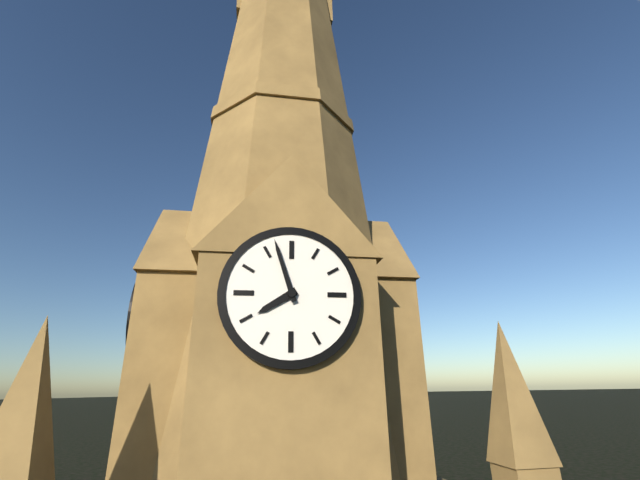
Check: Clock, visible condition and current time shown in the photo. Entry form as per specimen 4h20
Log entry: 7h57
